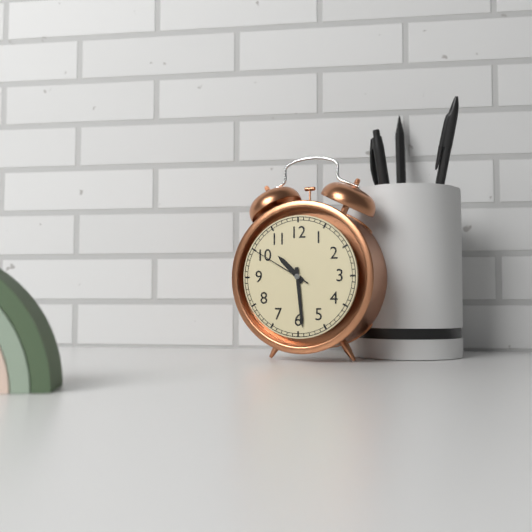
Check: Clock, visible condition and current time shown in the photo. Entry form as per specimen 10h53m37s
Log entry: 10h29m50s
